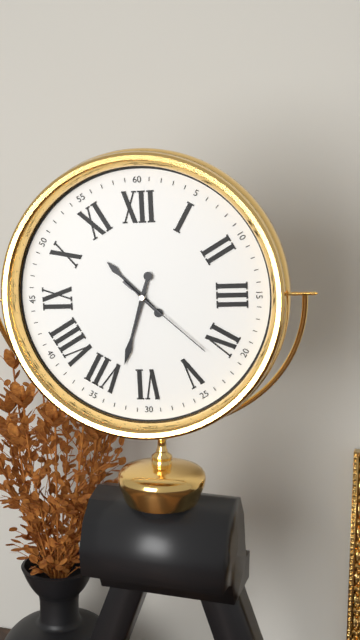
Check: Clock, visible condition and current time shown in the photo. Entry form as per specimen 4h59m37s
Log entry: 10h33m22s
